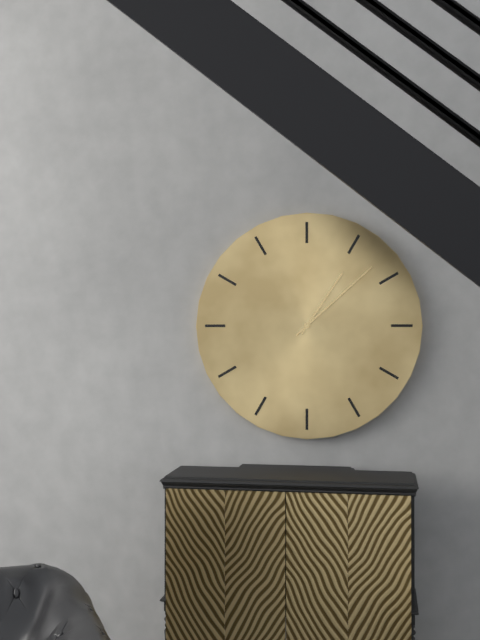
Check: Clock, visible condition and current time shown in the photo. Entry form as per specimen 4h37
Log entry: 1h08
